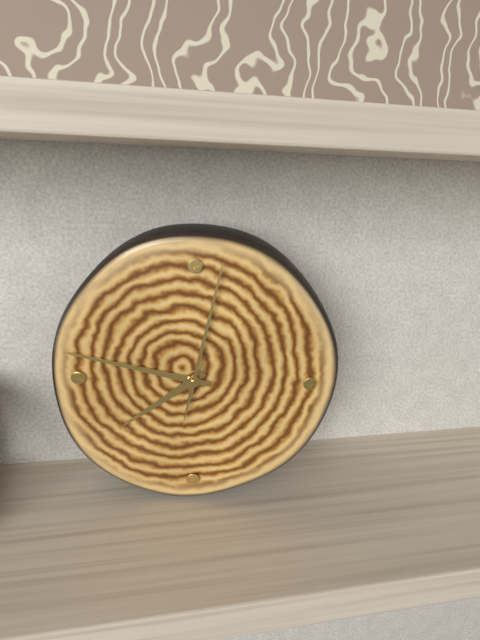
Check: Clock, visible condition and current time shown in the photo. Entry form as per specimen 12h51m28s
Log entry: 7h47m02s
